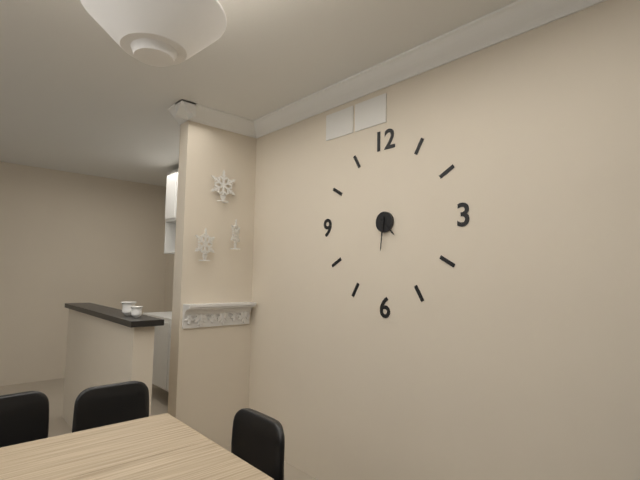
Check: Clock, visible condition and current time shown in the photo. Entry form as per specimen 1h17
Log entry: 4h31
